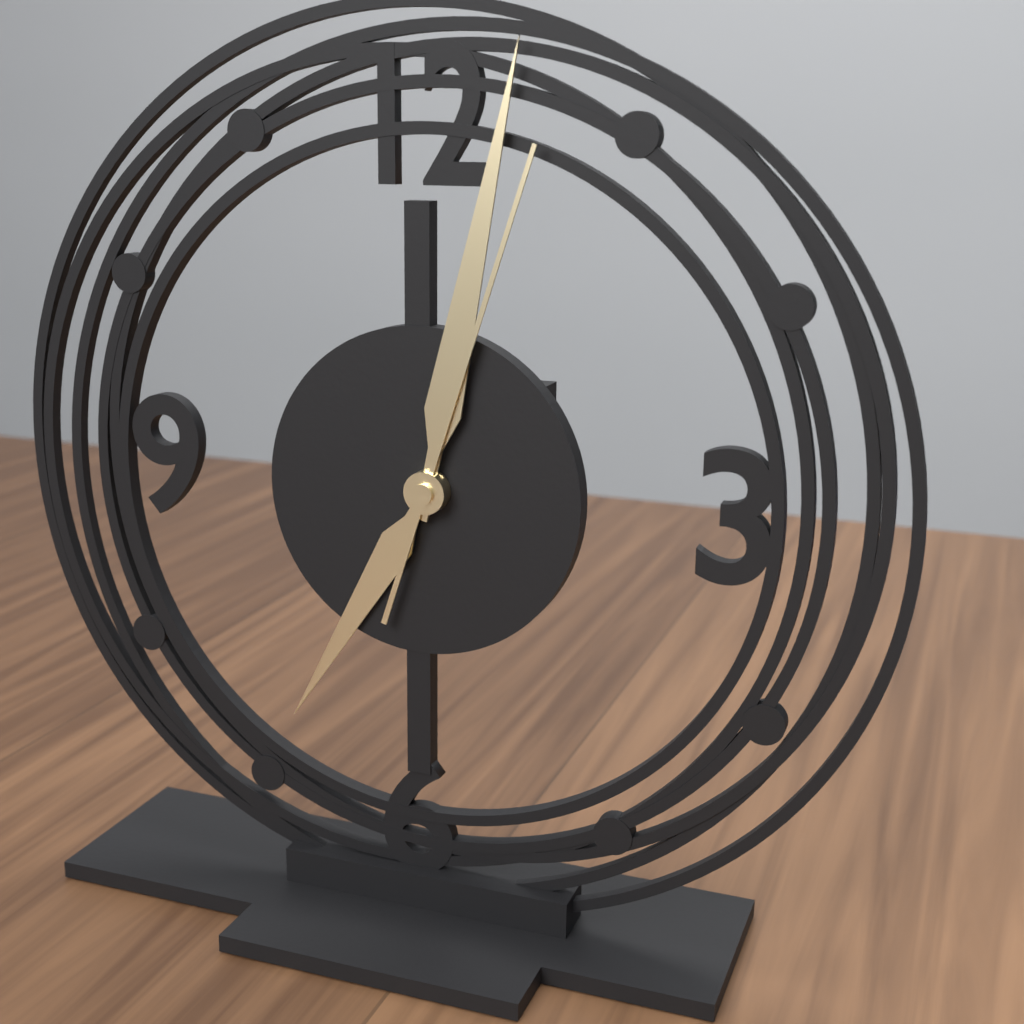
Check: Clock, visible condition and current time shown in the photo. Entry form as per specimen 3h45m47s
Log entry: 7h02m03s
